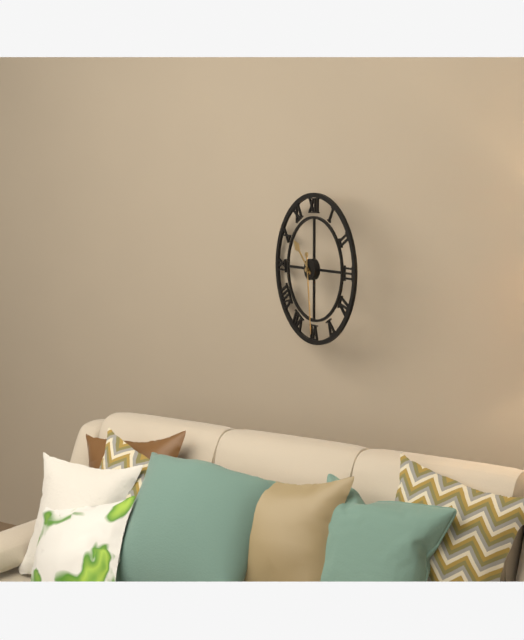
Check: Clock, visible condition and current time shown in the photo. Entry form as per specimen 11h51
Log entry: 10h29
